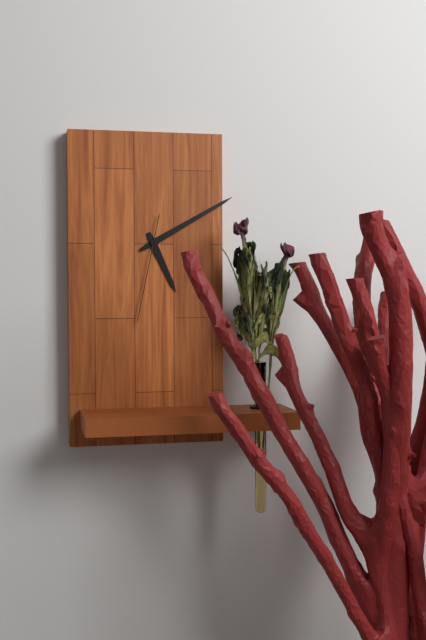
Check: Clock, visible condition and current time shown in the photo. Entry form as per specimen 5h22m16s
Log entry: 5h10m32s
